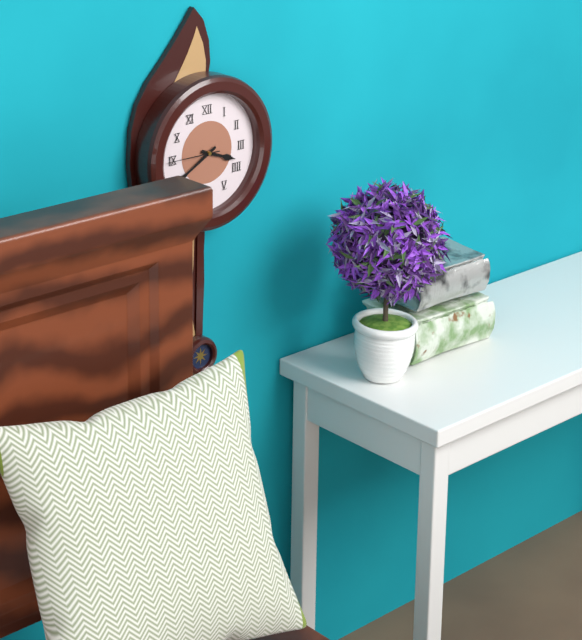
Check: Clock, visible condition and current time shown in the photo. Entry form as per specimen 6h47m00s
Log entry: 3h40m45s
